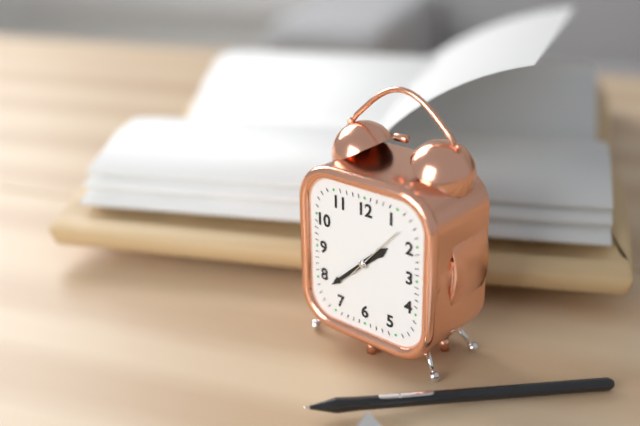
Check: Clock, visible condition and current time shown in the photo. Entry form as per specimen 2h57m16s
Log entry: 1h38m07s
